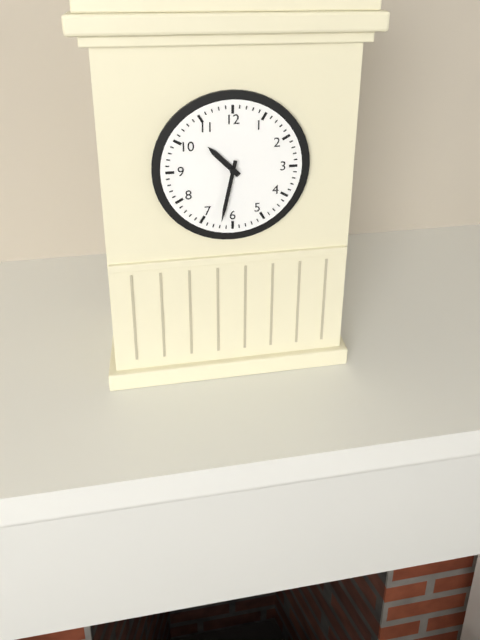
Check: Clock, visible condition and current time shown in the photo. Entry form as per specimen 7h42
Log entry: 10h32
